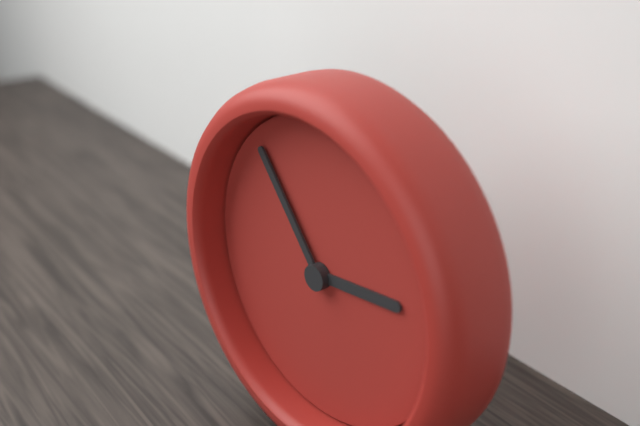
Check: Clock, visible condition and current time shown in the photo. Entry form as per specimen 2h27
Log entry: 2h54
